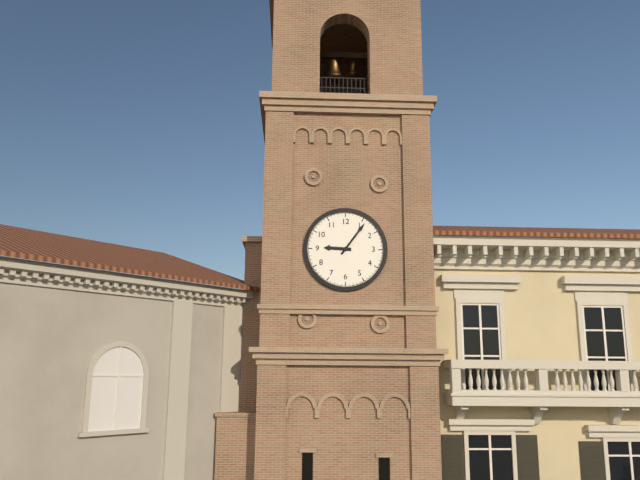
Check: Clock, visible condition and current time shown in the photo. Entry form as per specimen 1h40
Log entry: 9h06
